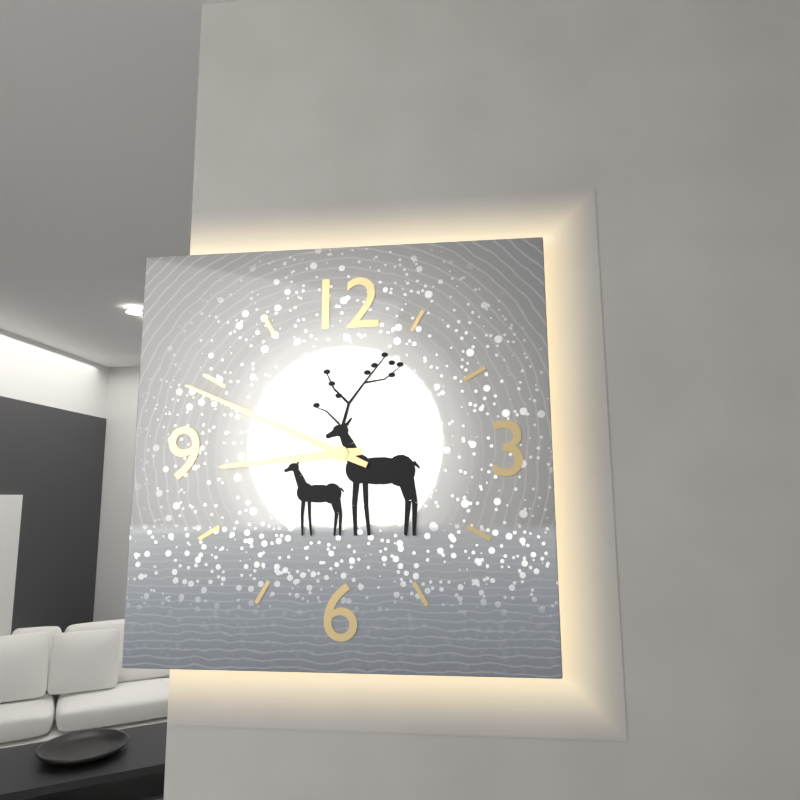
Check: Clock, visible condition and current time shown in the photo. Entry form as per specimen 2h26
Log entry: 8h49
